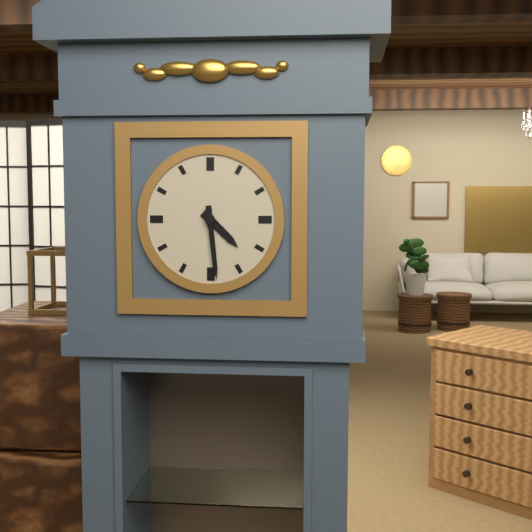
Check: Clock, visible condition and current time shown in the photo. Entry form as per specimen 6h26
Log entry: 4h29
